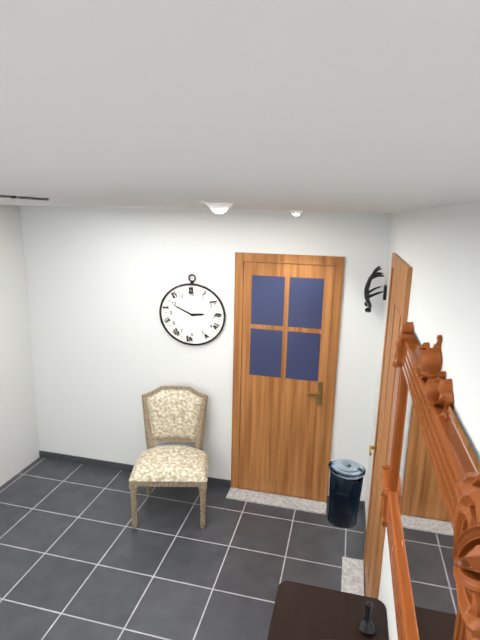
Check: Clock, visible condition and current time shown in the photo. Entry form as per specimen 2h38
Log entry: 2h49
